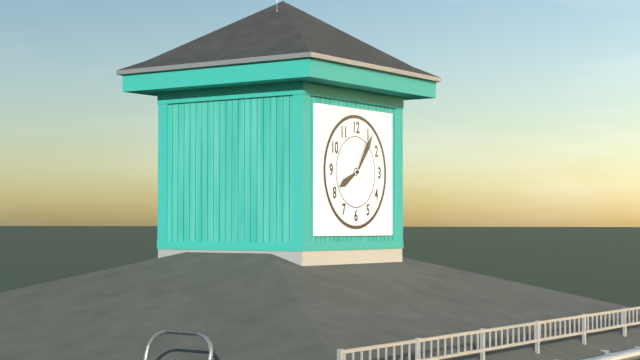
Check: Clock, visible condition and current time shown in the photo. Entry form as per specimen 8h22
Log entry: 8h06
